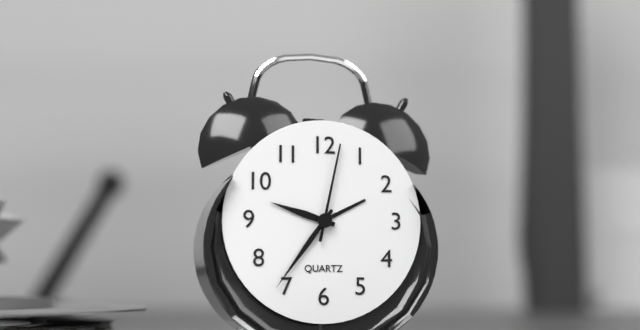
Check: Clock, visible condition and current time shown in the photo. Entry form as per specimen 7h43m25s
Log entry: 9h36m02s
